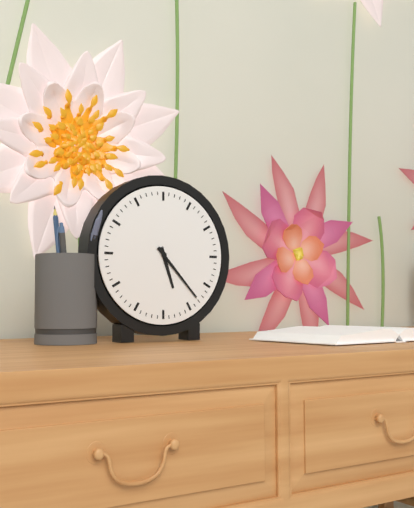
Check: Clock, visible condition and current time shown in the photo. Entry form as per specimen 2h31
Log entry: 5h23
